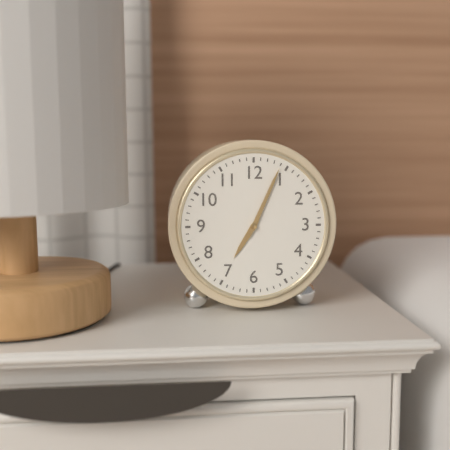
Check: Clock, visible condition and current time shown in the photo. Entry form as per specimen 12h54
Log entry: 7h04
